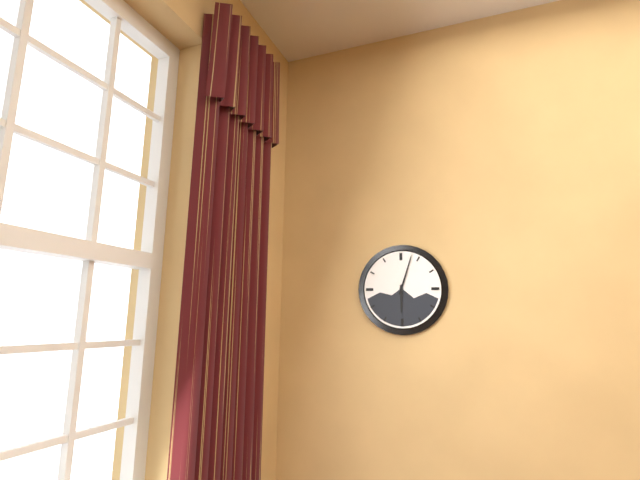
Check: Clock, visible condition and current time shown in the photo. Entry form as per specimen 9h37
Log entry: 6h03
